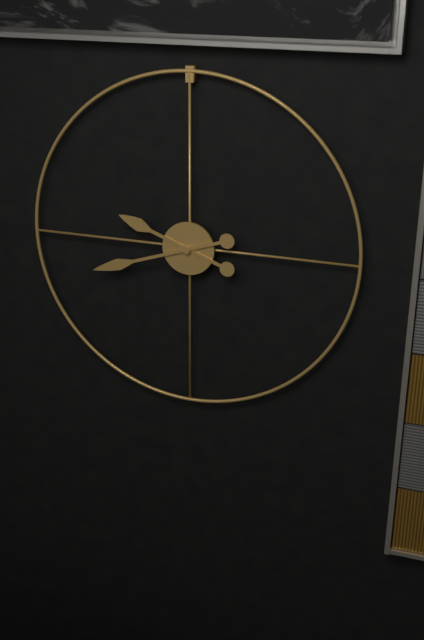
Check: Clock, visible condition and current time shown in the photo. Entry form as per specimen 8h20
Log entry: 9h42
